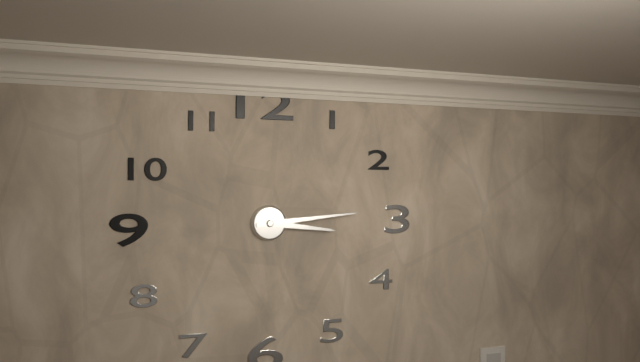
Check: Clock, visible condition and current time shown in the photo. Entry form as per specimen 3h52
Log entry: 3h14
